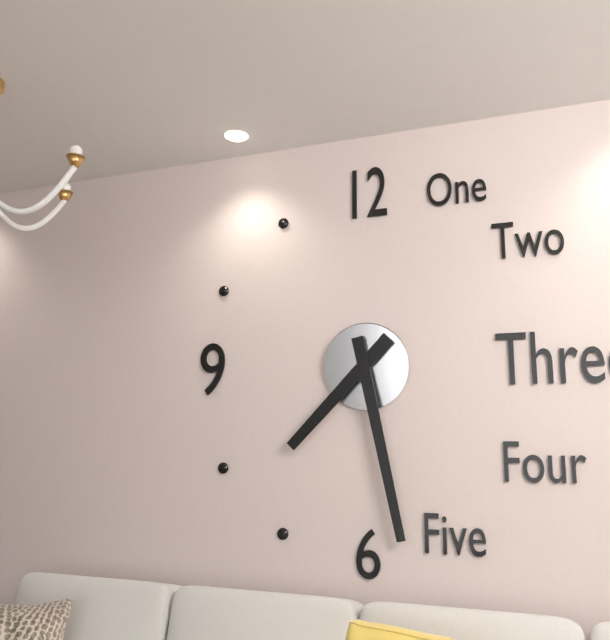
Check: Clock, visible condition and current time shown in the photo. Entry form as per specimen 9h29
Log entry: 7h28
